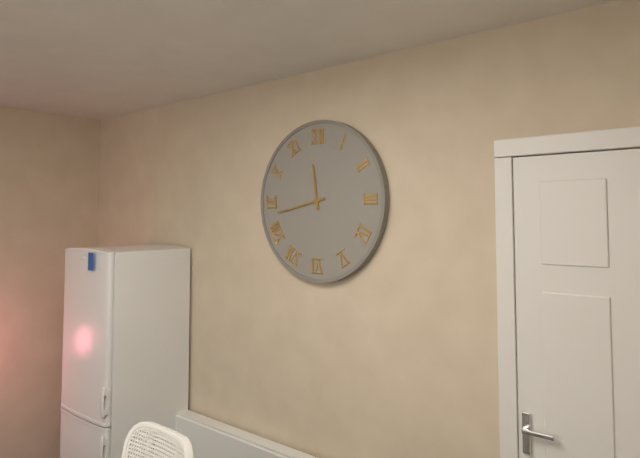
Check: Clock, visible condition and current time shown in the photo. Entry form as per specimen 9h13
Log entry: 11h43
